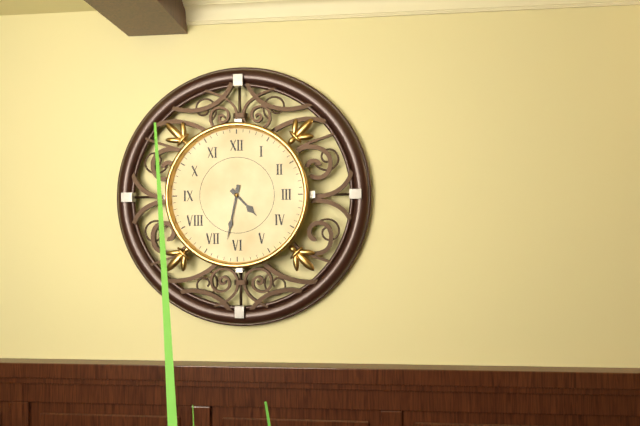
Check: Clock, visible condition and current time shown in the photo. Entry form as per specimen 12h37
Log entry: 4h32
